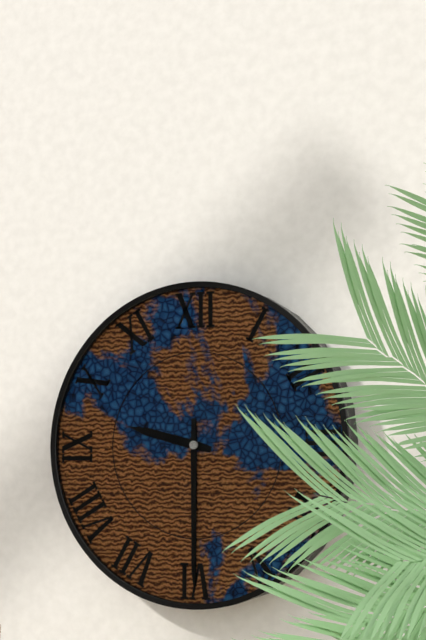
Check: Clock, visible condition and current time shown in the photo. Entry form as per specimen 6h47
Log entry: 9h30
